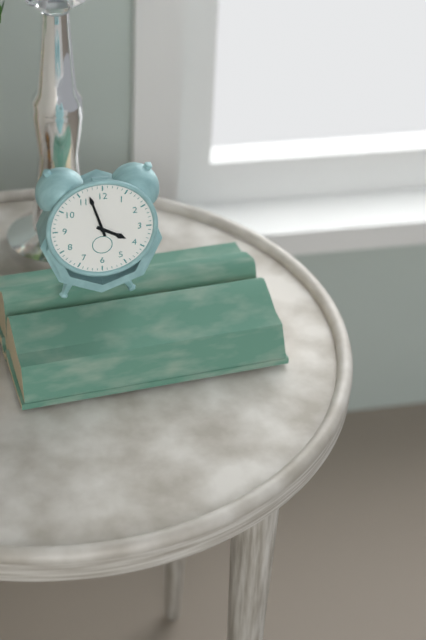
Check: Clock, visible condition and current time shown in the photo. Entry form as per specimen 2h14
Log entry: 3h57
